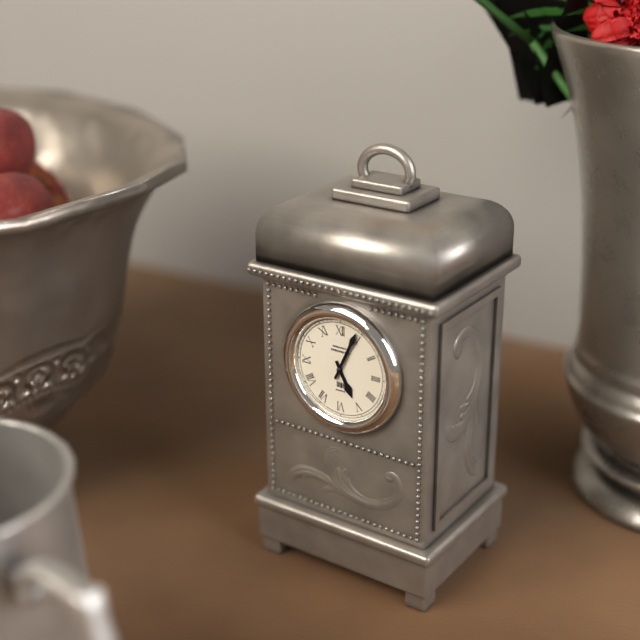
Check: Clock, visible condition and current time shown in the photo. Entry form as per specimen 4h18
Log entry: 5h04
